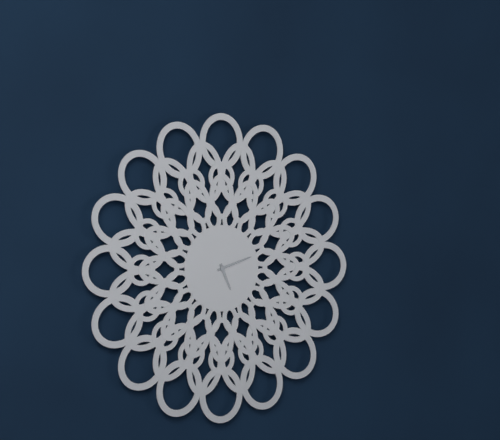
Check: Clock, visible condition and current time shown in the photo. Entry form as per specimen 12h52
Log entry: 5h12
